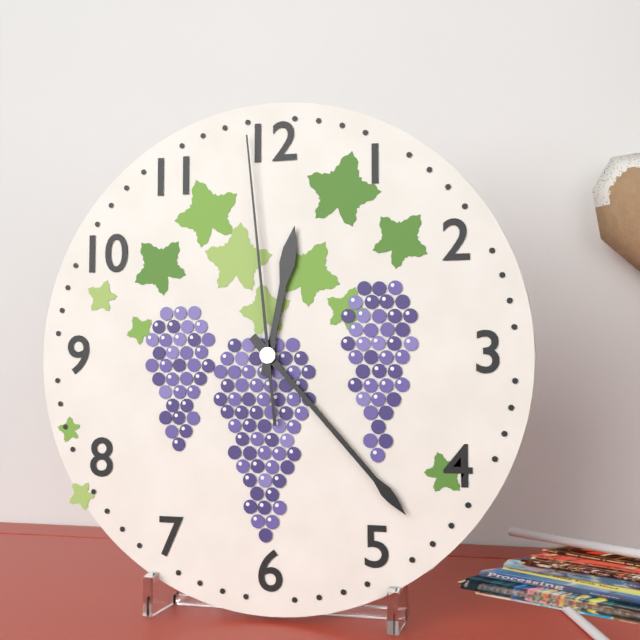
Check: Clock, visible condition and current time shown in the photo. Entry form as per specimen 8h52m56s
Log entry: 12h23m59s
